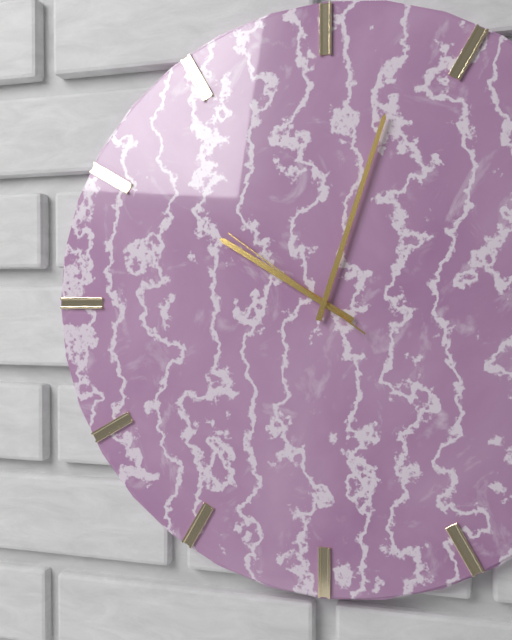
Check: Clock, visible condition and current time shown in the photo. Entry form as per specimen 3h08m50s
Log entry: 10h03m51s
